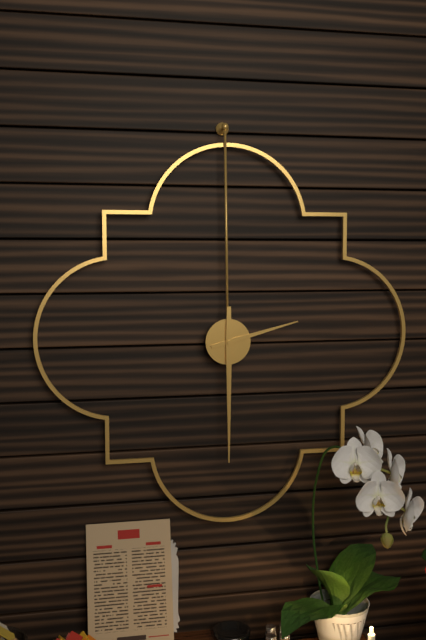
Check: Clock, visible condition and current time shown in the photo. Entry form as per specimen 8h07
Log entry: 2h30
